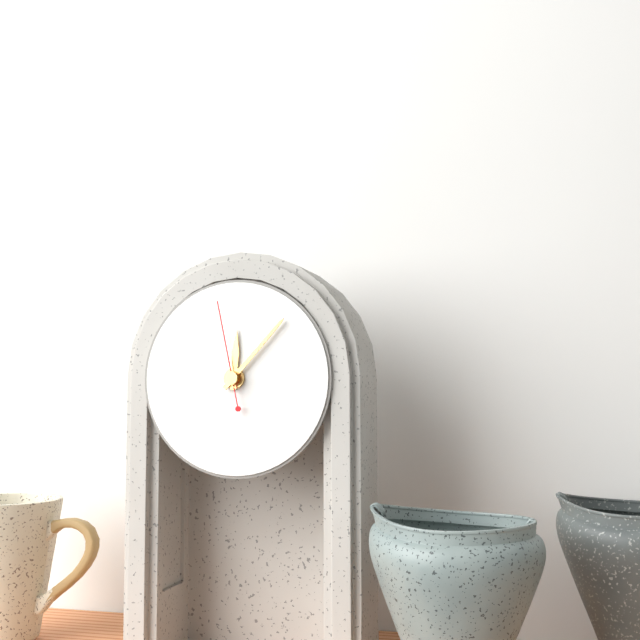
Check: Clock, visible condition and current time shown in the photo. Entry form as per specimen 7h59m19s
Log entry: 12h07m58s
